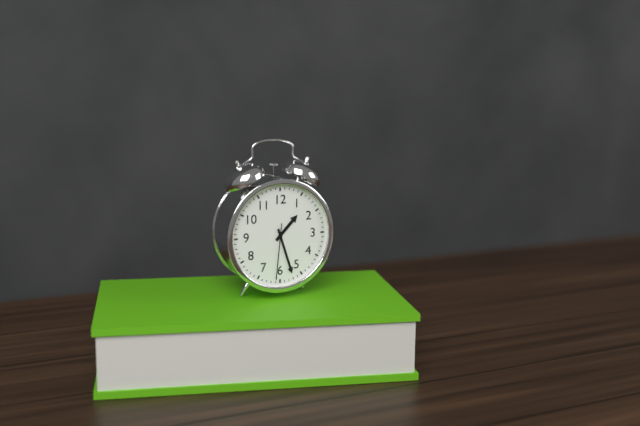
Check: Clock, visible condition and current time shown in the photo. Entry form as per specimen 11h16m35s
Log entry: 1h27m31s
